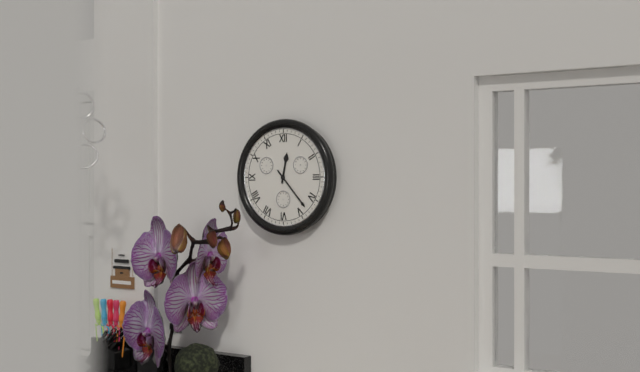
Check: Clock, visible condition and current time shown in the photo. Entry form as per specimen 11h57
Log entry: 12h23
